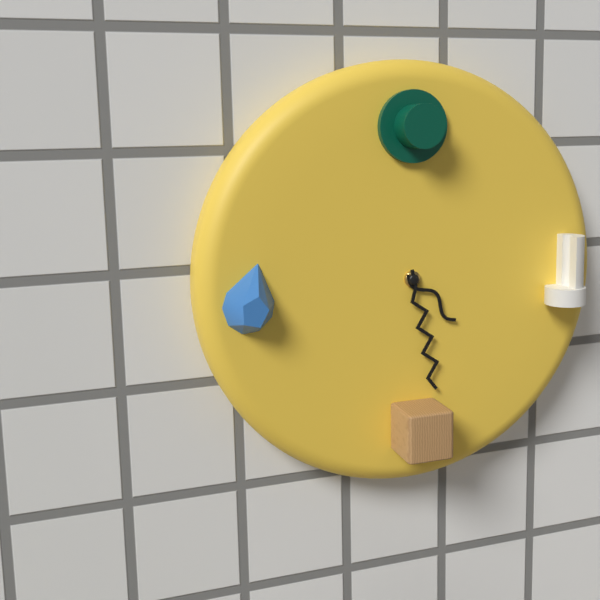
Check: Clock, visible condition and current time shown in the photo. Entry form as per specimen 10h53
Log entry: 4h28
